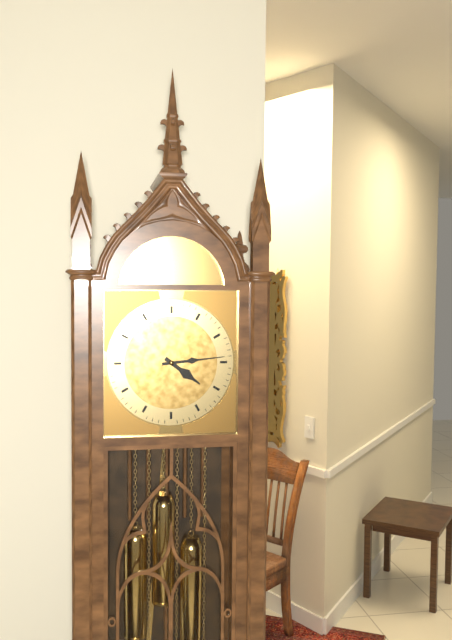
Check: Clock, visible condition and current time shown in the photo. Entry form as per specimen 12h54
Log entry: 4h14
